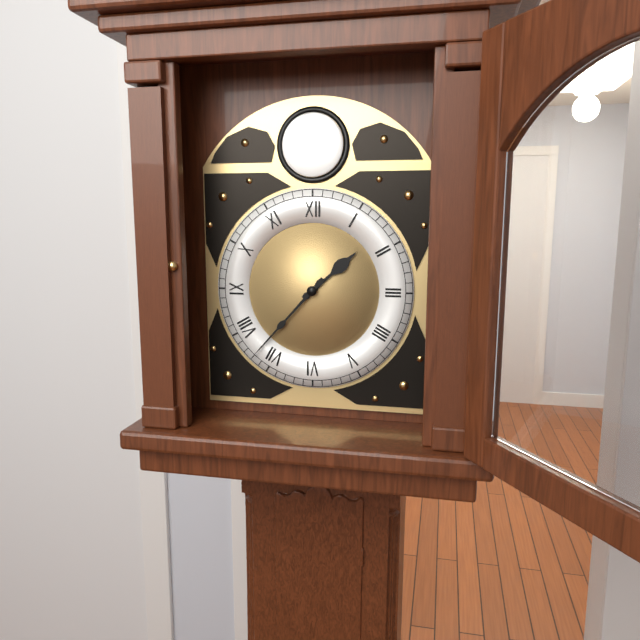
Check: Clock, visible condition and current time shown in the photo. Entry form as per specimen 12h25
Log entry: 1h37
